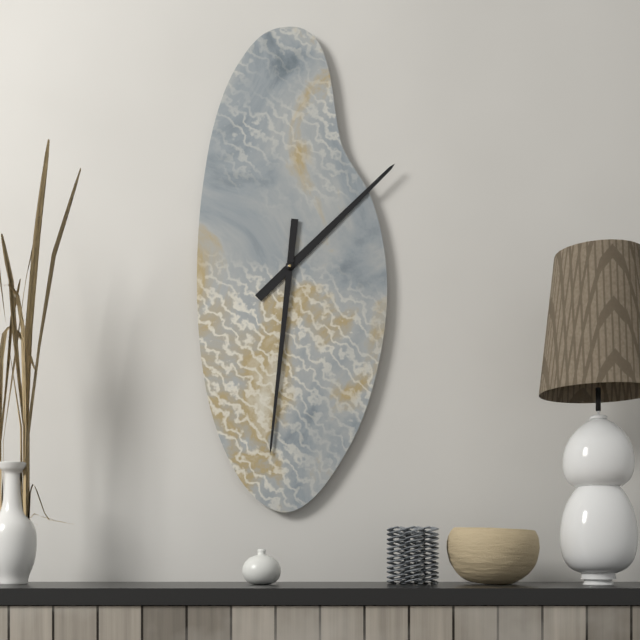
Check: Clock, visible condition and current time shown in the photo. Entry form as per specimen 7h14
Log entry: 1h31
